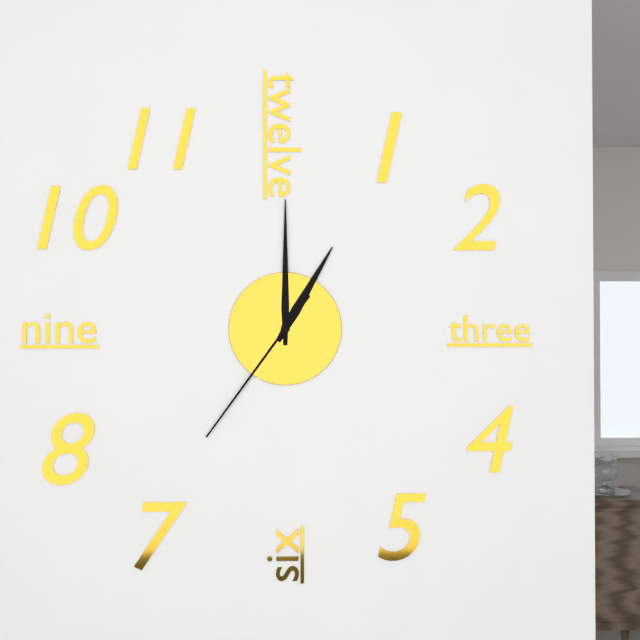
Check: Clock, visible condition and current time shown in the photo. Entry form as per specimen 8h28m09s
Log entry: 1h00m36s
